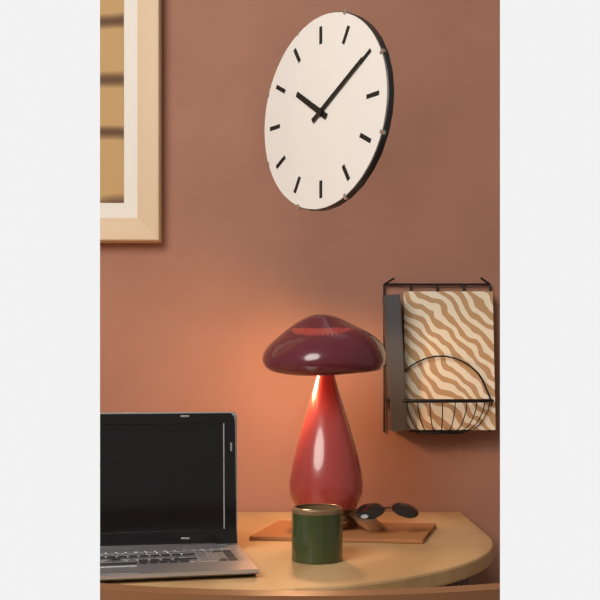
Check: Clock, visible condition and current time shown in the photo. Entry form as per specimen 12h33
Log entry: 10h10
